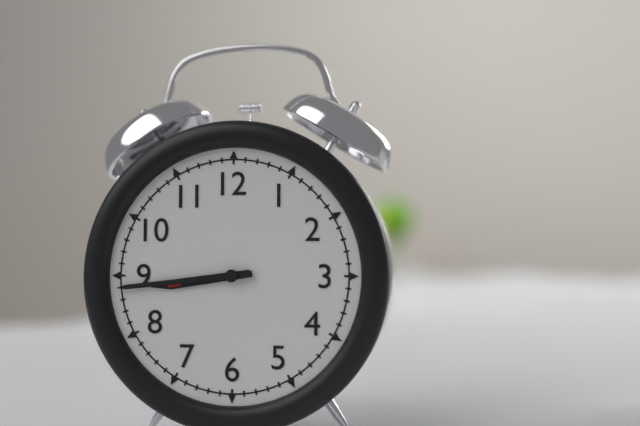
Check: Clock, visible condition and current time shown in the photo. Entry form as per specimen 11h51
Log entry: 8h44
